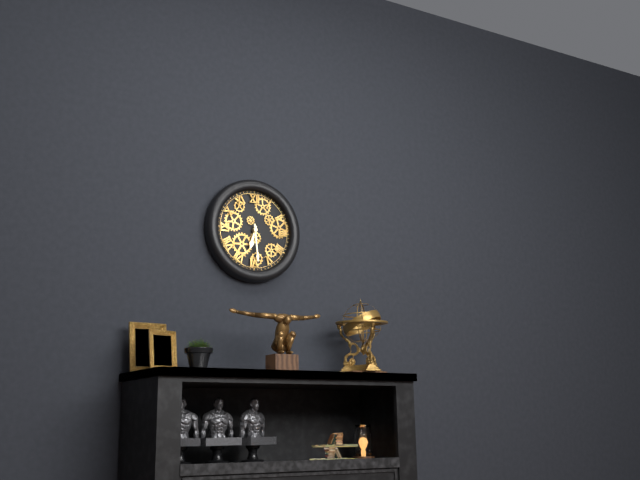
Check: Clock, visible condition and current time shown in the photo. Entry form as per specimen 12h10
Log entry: 6h29
